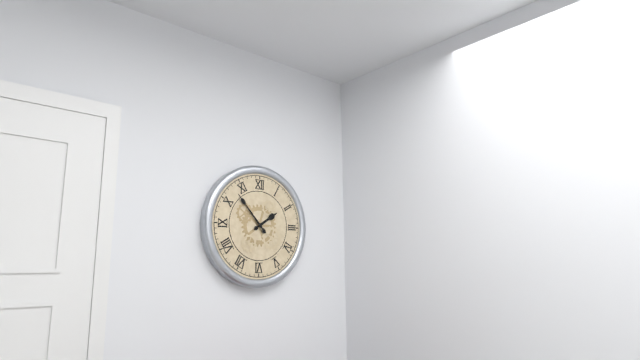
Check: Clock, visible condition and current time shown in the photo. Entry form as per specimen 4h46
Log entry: 1h53
